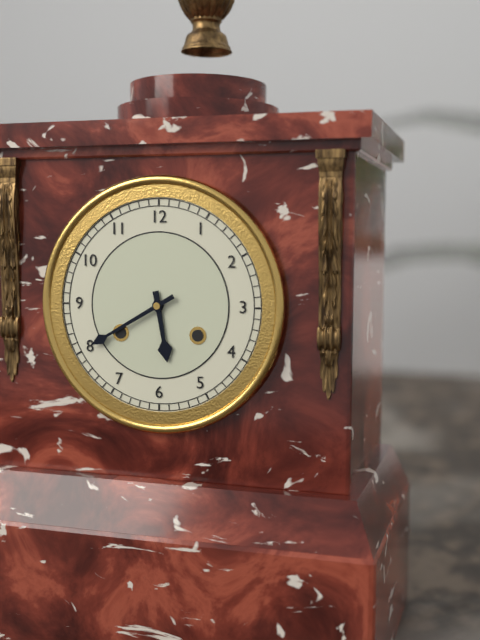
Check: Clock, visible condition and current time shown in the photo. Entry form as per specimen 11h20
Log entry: 5h40
